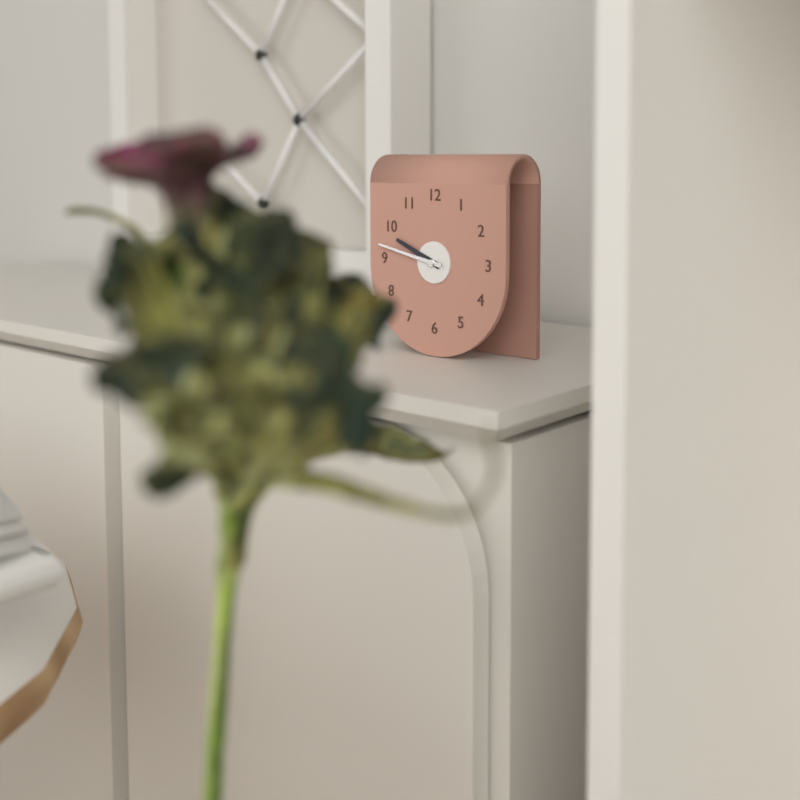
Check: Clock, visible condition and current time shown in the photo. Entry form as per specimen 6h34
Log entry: 9h47
